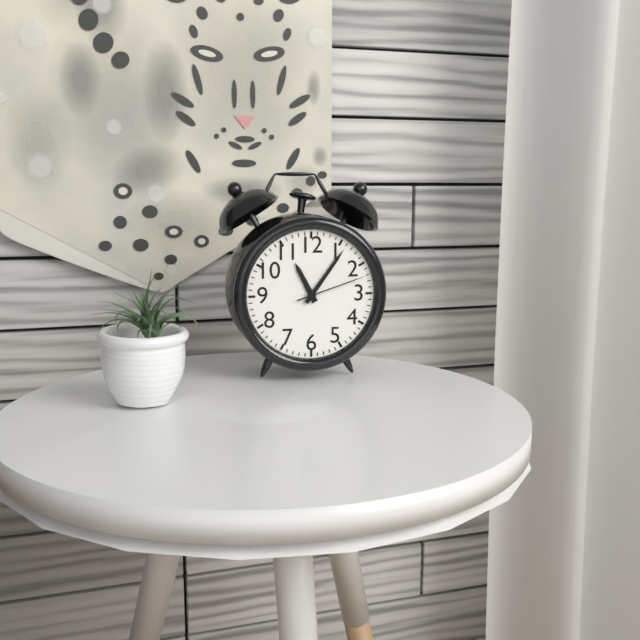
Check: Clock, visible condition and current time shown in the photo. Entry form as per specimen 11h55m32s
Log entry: 11h06m12s
